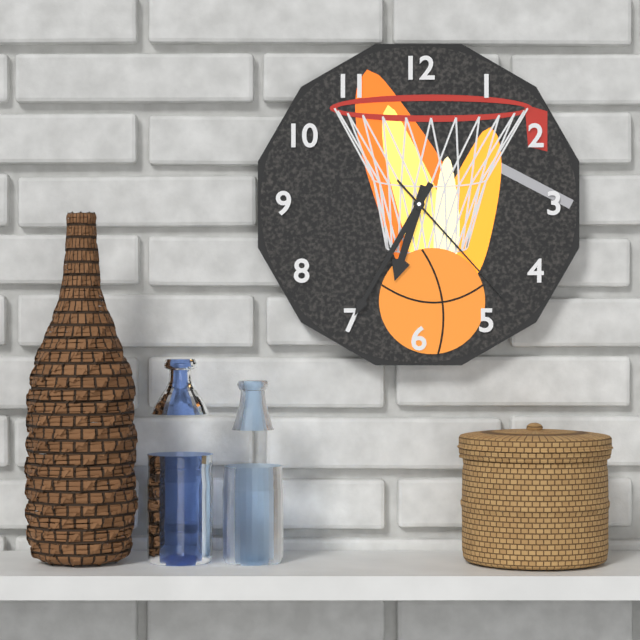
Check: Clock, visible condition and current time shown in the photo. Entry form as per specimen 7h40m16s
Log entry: 6h35m23s
